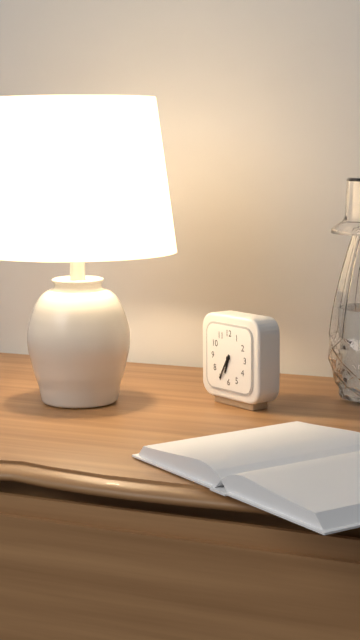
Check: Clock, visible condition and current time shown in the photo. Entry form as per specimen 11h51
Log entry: 6h35
